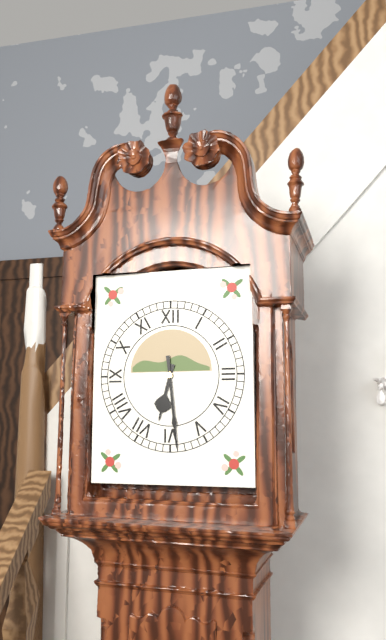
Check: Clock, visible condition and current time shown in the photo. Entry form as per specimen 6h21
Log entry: 6h29
